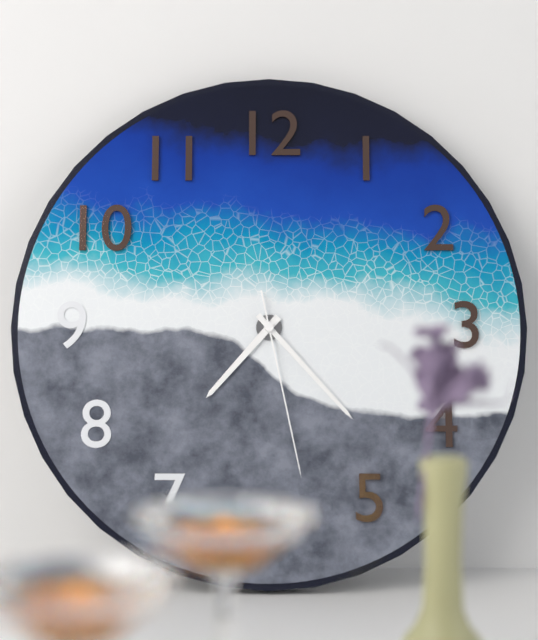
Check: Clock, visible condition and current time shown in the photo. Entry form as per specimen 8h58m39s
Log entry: 7h23m28s
